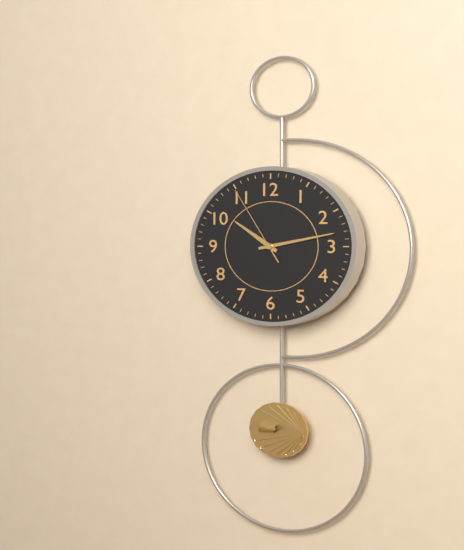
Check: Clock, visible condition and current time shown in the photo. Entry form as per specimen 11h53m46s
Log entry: 10h13m55s
